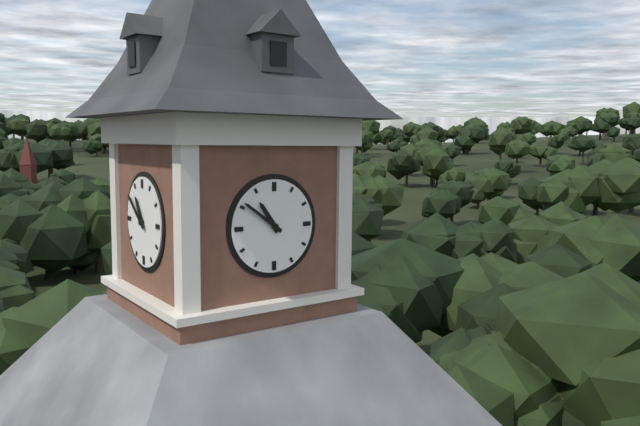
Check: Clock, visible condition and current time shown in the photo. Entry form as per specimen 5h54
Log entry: 10h51
